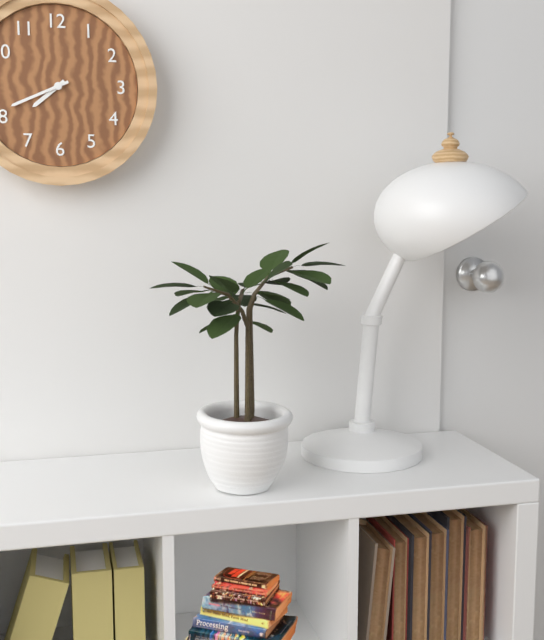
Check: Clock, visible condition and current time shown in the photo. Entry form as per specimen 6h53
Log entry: 7h41
